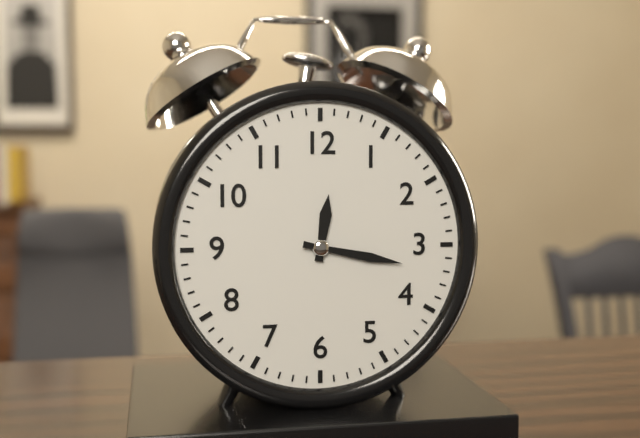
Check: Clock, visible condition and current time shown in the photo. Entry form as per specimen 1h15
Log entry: 12h17
